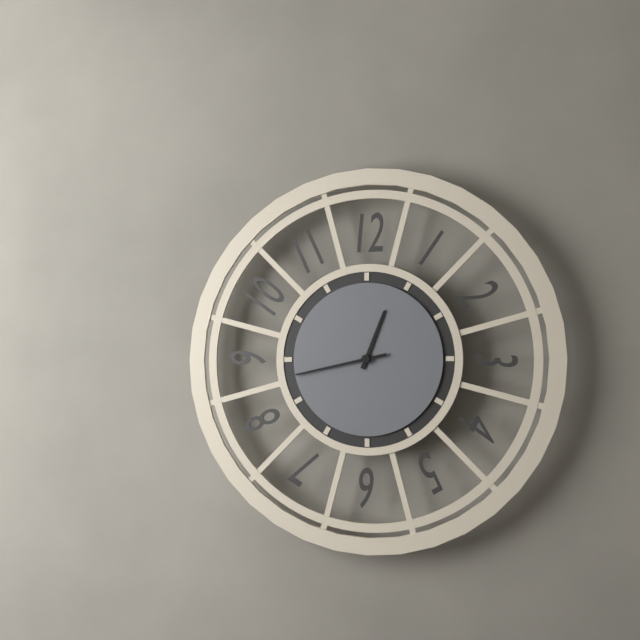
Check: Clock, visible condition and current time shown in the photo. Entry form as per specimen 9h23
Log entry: 12h43
